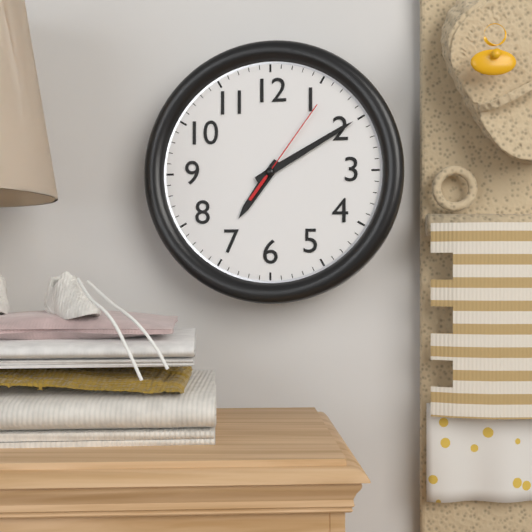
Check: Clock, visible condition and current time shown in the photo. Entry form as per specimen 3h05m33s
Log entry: 7h10m06s
